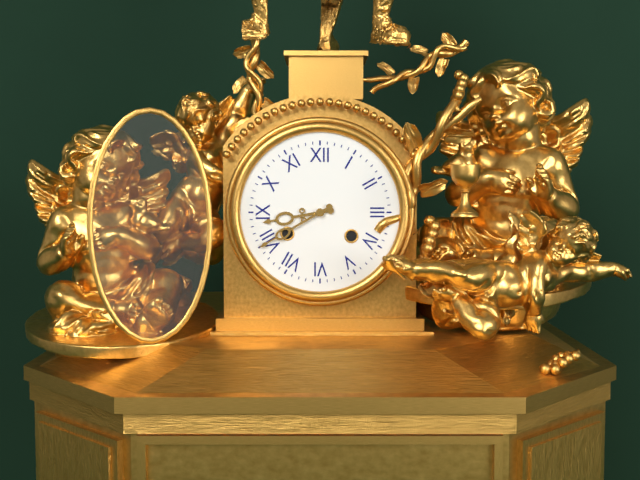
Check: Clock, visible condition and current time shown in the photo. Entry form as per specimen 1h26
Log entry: 8h40
